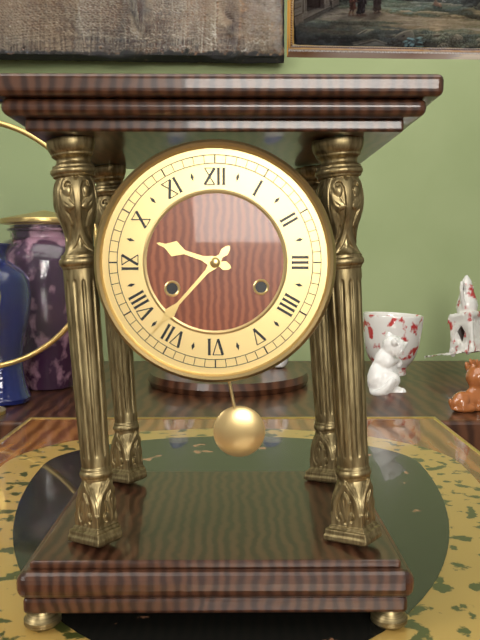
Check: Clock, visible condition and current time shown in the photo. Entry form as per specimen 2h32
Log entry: 9h37
